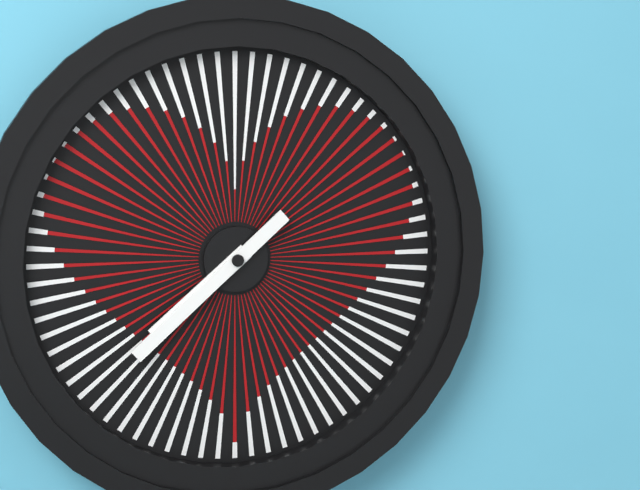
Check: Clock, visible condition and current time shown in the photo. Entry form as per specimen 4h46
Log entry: 7h38
